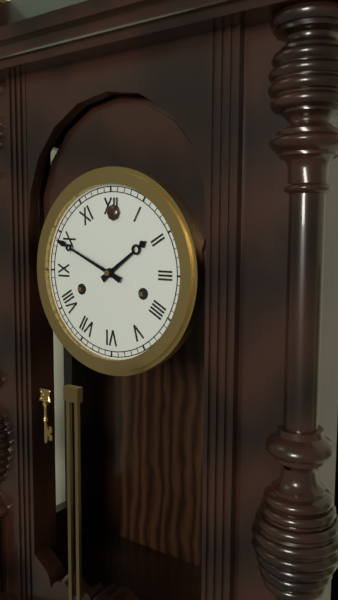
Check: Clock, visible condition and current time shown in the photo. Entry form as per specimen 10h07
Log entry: 1h49
